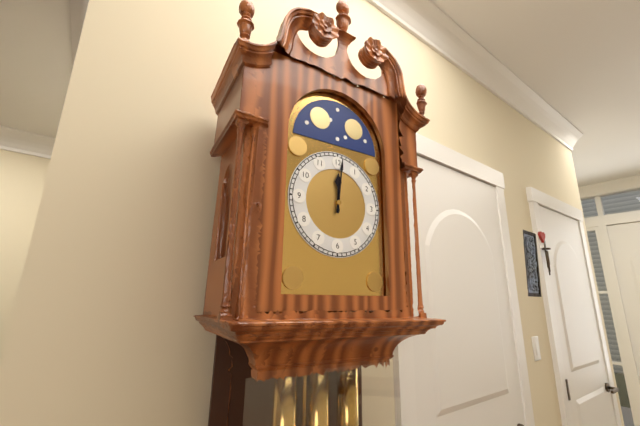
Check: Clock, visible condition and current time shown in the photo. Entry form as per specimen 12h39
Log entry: 12h01
